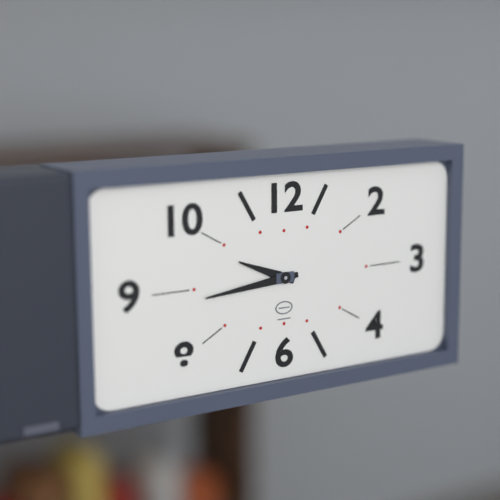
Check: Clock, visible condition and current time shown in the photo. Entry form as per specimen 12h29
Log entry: 9h44
